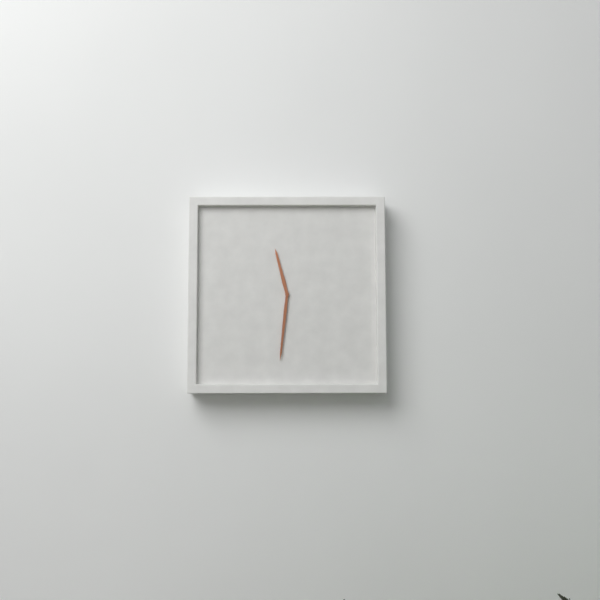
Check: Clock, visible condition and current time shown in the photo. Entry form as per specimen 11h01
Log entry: 11h31
